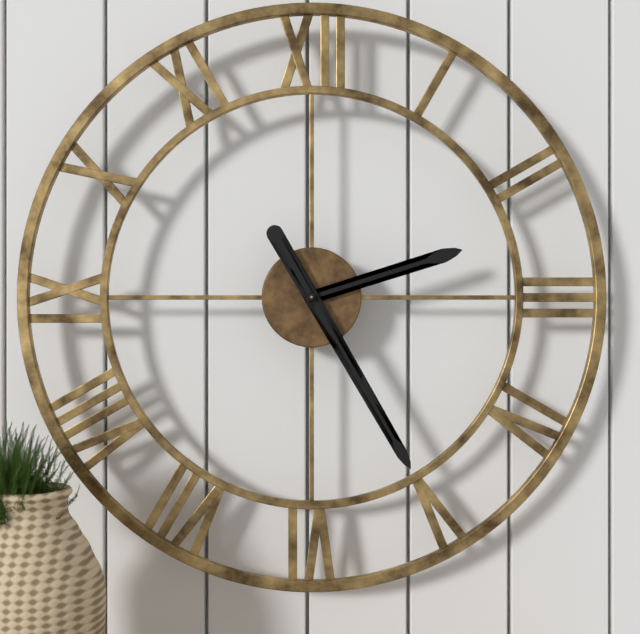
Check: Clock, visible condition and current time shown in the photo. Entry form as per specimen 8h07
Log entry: 2h25
